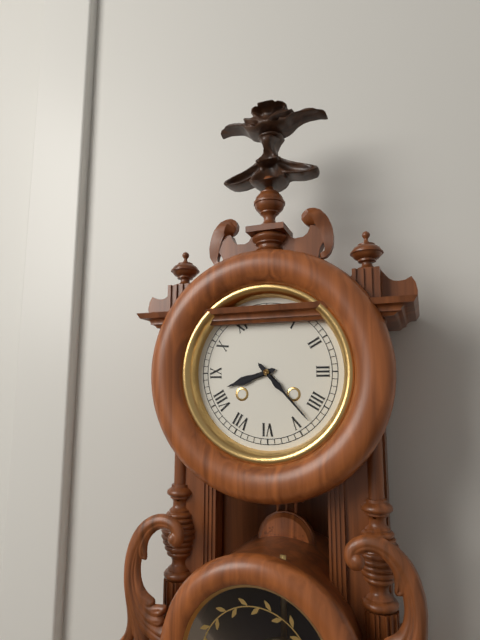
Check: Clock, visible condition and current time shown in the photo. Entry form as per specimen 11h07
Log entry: 8h23
